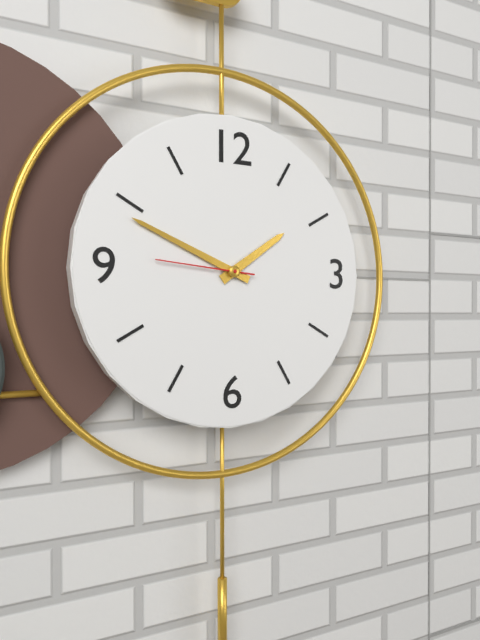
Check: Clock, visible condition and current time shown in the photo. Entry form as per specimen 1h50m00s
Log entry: 1h49m46s
